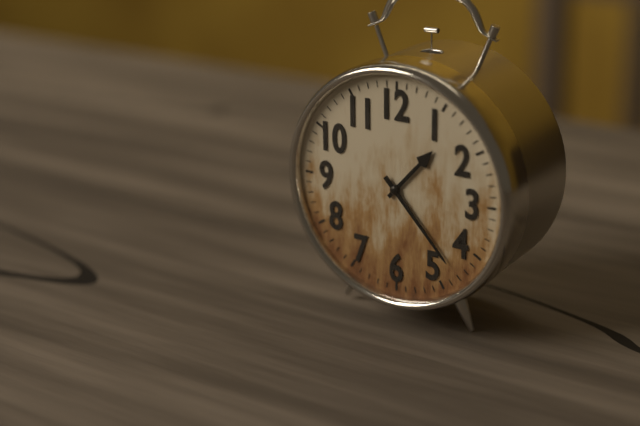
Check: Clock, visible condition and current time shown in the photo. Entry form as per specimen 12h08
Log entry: 1h23
